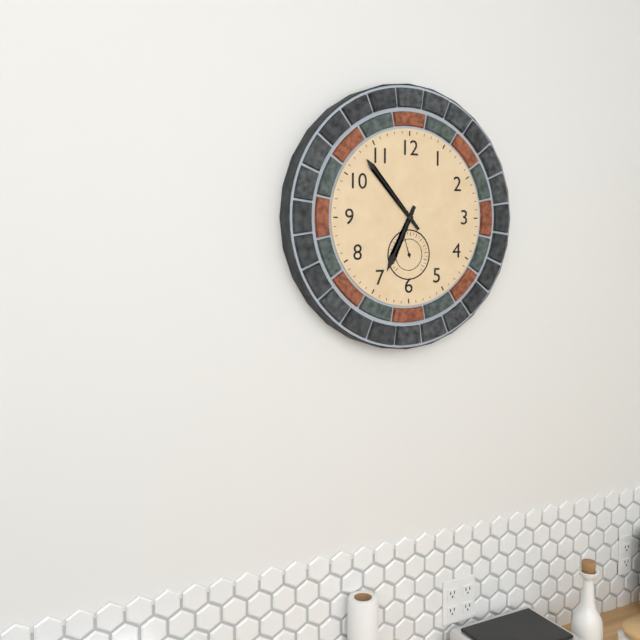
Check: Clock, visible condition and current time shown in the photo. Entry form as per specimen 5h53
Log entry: 6h53
